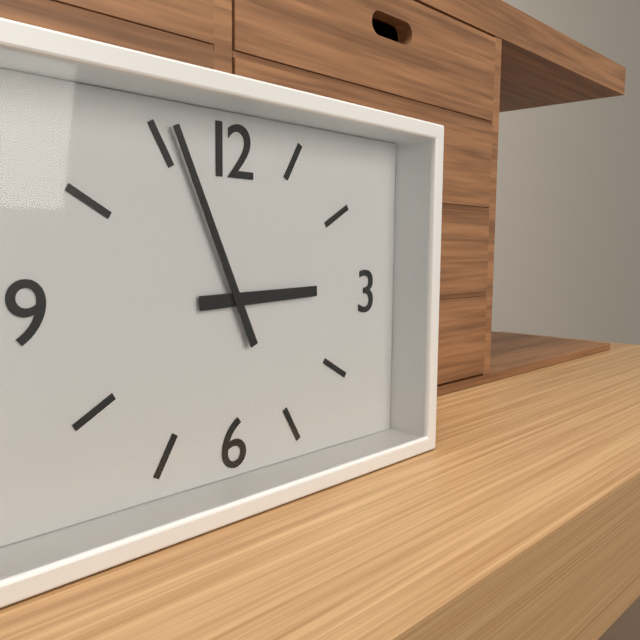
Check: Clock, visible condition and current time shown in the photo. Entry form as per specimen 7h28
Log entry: 2h56
